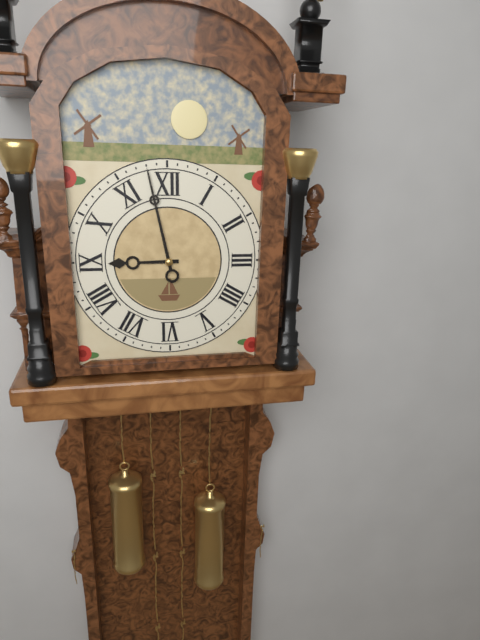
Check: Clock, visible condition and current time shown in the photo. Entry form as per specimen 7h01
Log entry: 8h58
